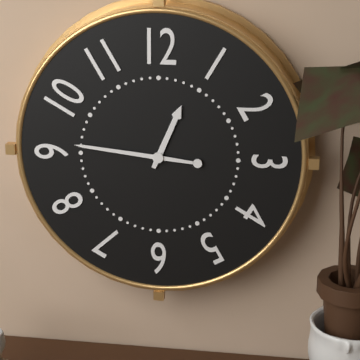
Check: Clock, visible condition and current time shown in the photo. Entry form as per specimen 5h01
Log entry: 12h46
